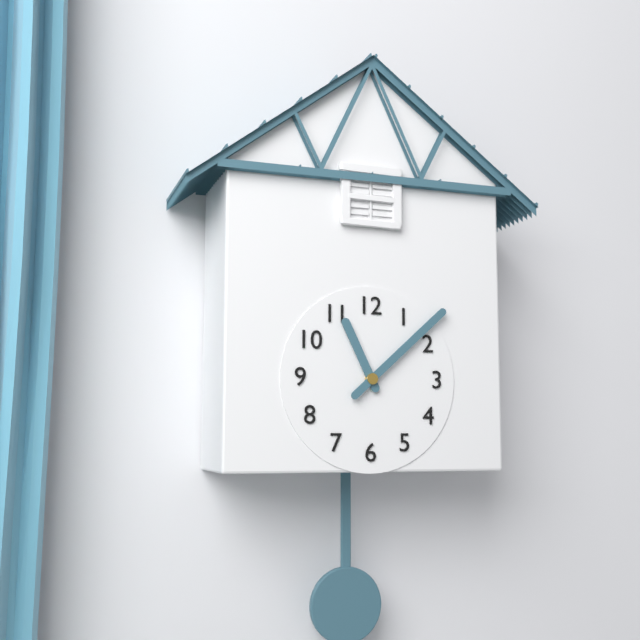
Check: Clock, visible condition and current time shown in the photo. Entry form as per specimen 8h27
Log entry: 11h08
